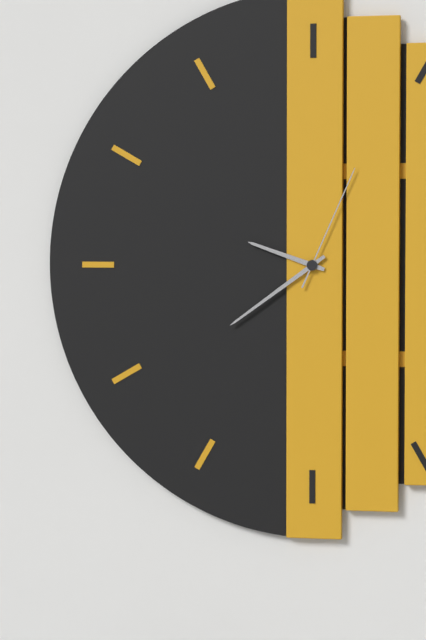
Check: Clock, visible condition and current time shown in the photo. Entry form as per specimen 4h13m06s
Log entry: 9h39m04s
